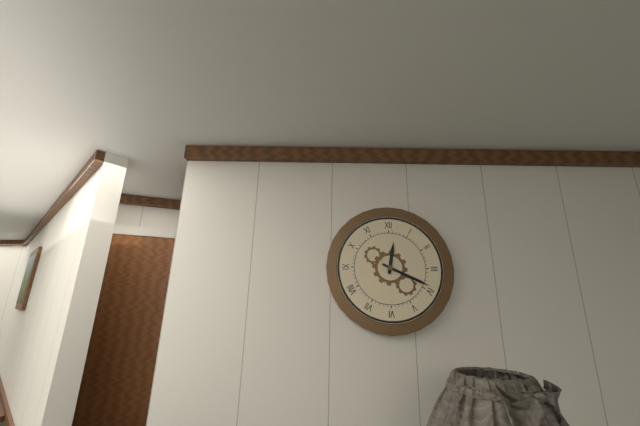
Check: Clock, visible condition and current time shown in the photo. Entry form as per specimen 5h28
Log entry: 12h19
